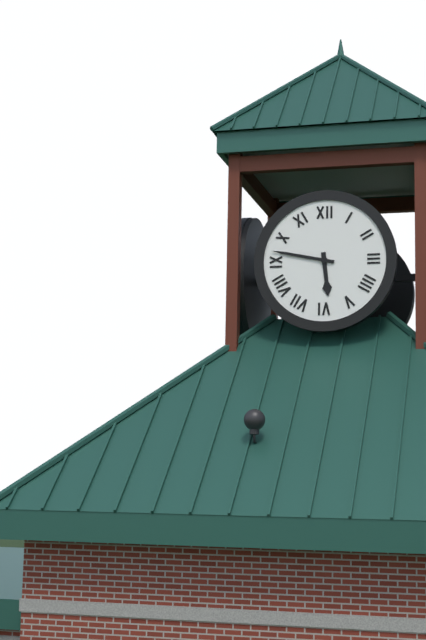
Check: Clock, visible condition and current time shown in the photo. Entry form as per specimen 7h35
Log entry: 5h47
